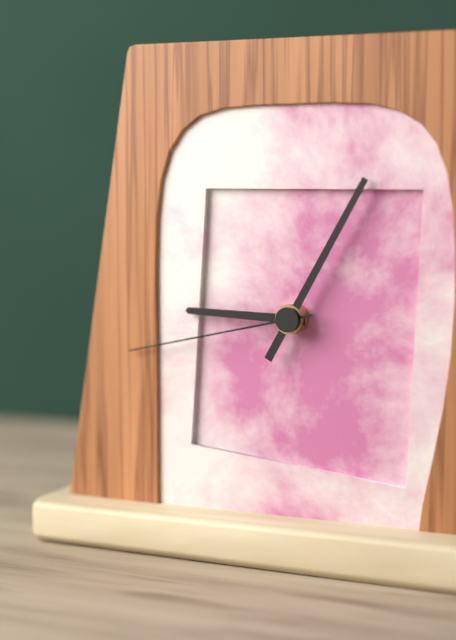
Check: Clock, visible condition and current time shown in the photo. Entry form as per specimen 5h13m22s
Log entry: 9h05m43s
